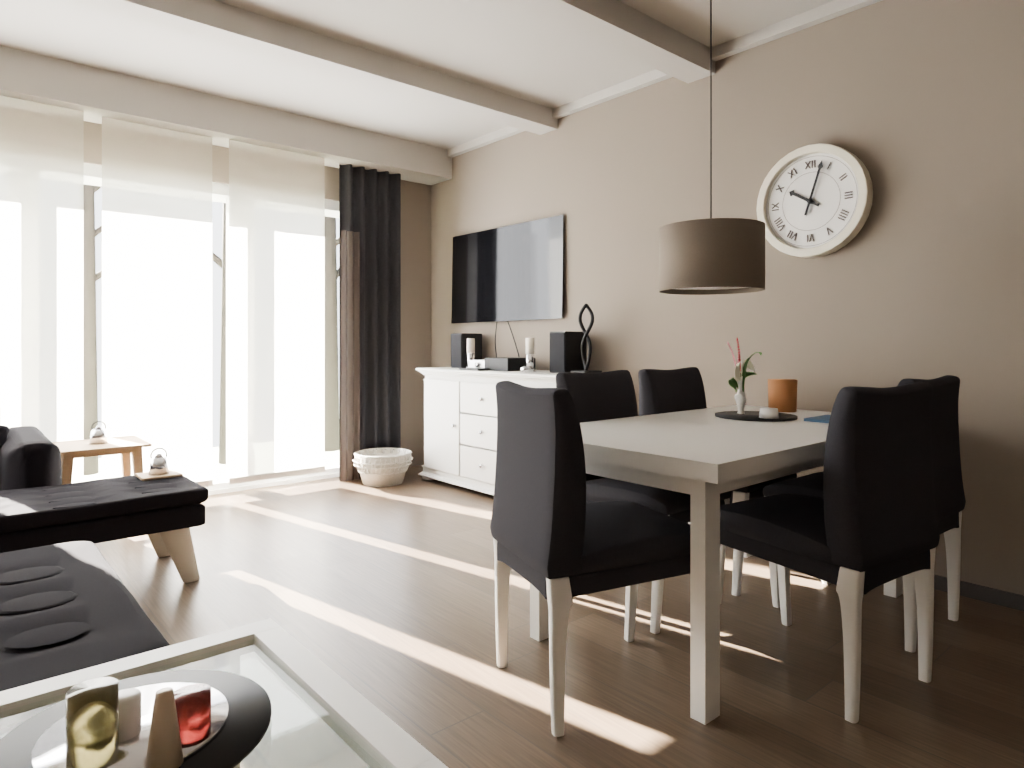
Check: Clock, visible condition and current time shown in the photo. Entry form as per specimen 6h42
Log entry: 10h03
